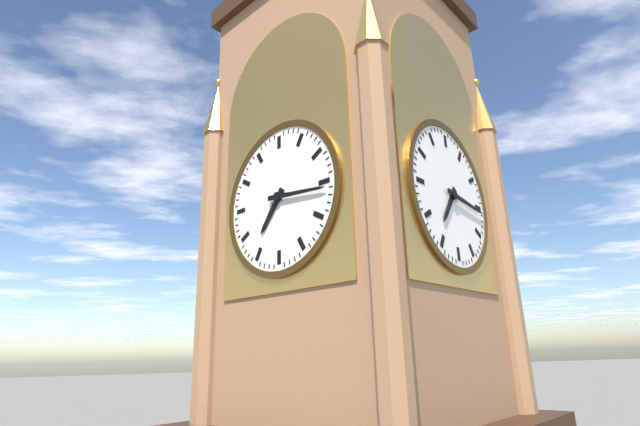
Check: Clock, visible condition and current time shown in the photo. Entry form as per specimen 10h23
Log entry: 7h16
